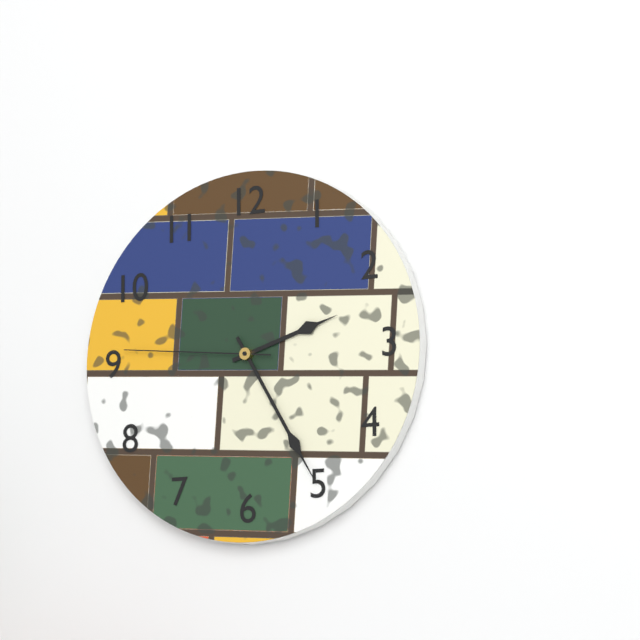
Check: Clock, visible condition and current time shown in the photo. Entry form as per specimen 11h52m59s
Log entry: 2h25m46s
